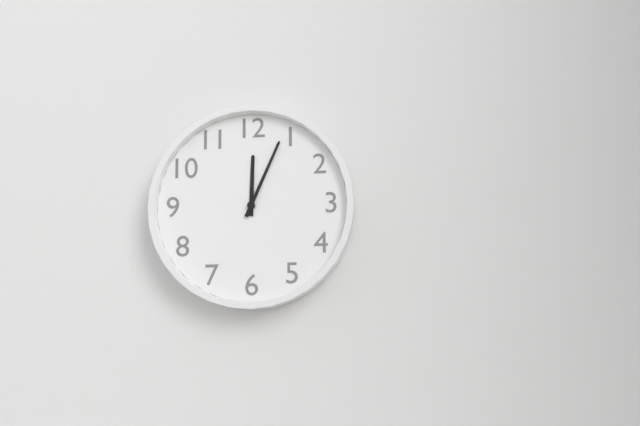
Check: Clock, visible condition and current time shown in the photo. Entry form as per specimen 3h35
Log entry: 12h04
